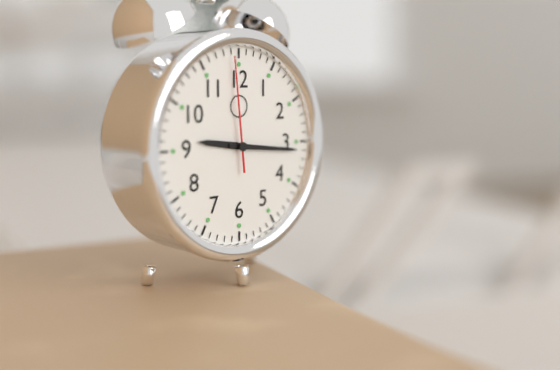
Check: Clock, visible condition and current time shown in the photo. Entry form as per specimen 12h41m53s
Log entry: 9h16m59s
